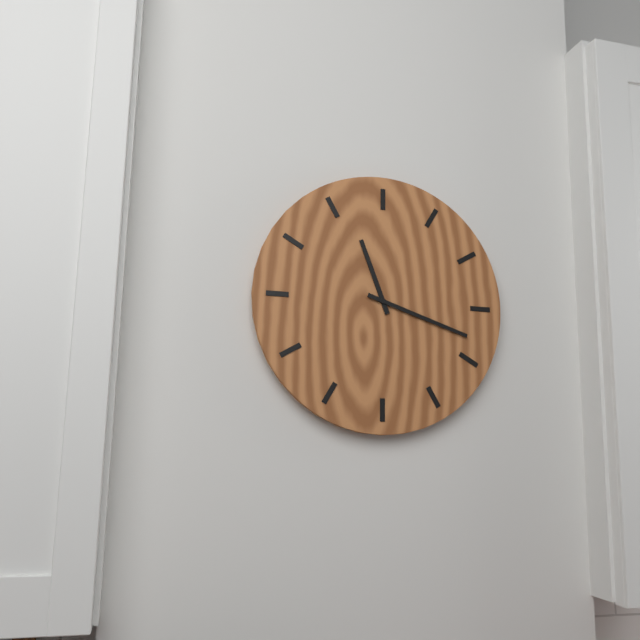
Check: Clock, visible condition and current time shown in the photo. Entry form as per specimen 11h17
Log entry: 11h18
